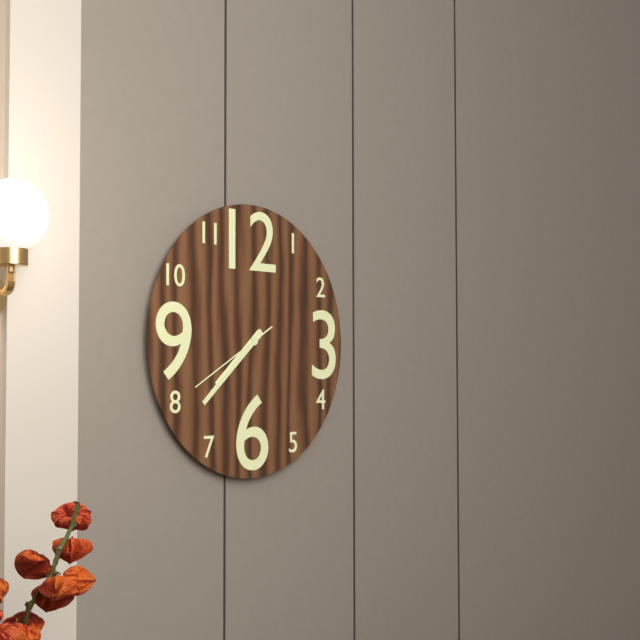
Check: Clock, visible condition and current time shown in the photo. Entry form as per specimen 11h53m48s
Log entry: 7h38m40s
